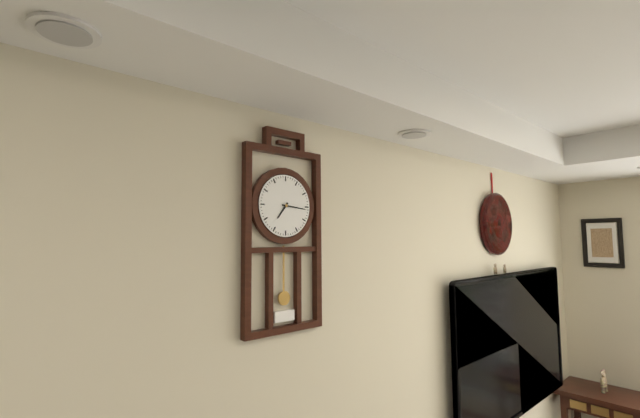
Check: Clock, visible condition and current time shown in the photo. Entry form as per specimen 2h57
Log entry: 7h16
